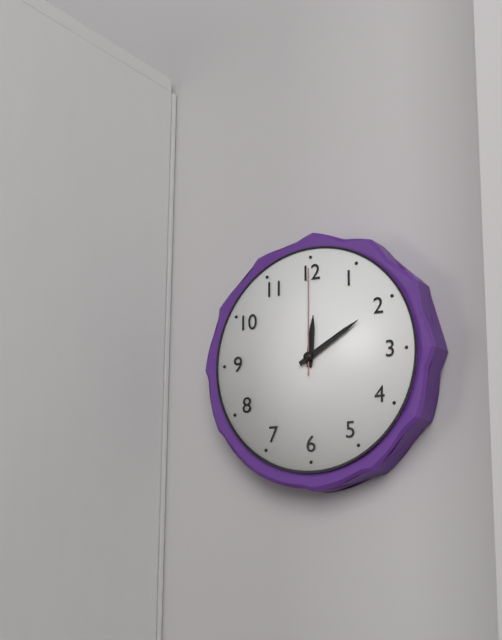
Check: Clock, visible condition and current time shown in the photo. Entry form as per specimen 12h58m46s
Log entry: 12h10m00s
